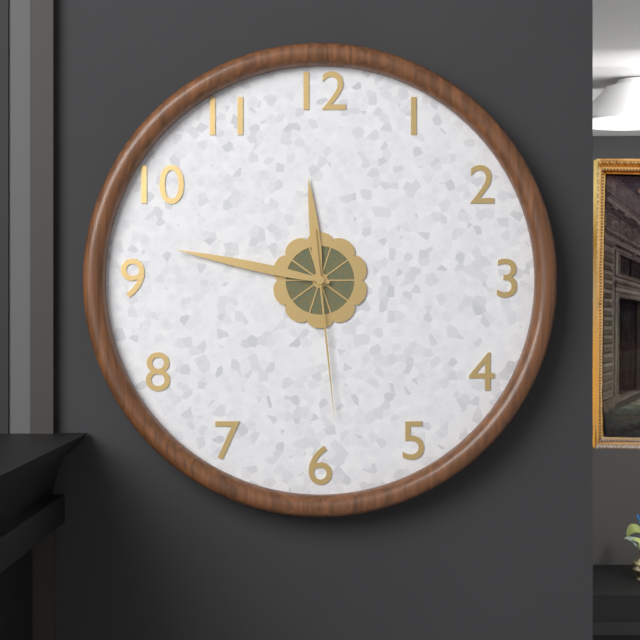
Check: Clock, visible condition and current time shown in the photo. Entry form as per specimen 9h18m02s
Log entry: 11h47m29s
